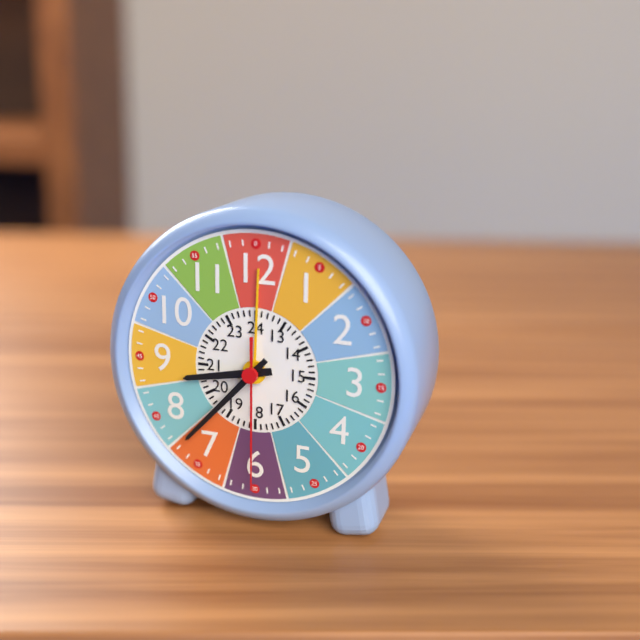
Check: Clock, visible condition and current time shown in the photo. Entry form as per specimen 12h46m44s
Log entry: 8h37m30s
